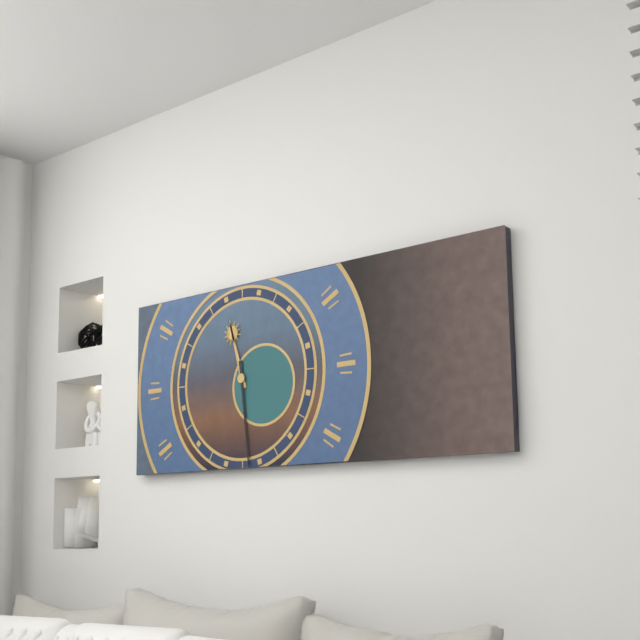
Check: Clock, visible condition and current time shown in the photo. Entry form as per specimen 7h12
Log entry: 11h29
